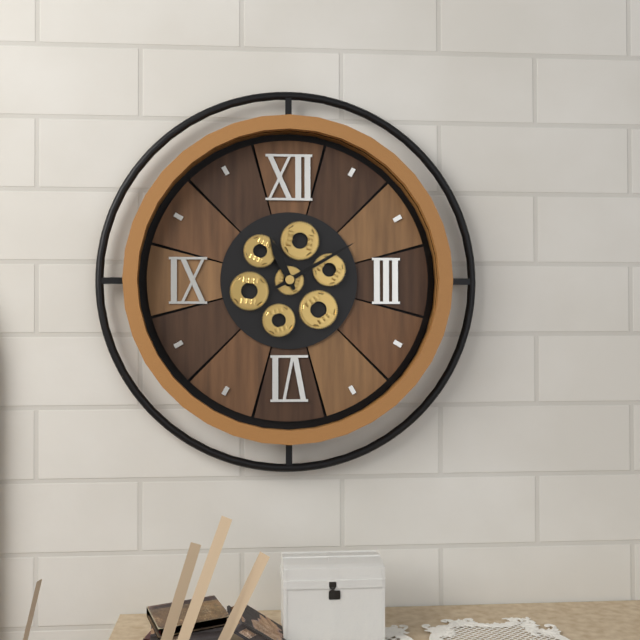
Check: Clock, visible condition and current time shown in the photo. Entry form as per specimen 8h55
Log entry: 11h10
